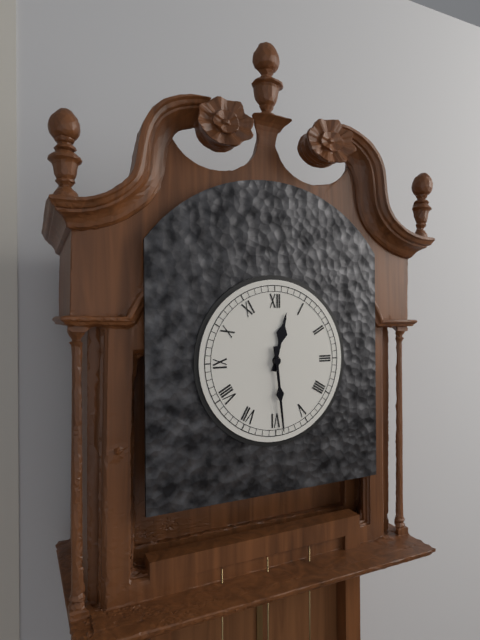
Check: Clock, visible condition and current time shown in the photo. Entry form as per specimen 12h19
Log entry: 12h29
